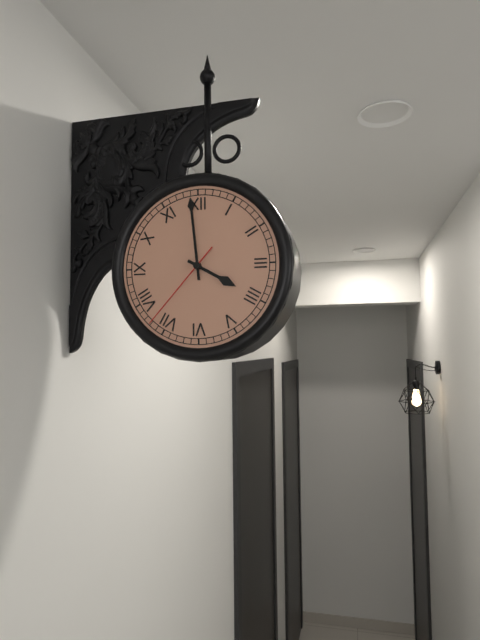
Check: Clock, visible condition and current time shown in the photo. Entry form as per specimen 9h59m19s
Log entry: 3h59m37s
